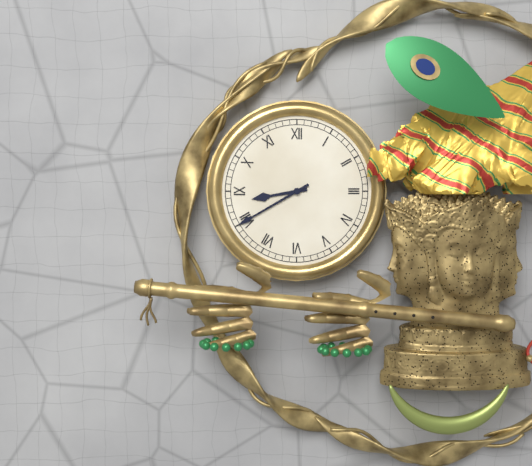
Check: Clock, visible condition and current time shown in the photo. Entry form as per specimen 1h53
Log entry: 8h40
